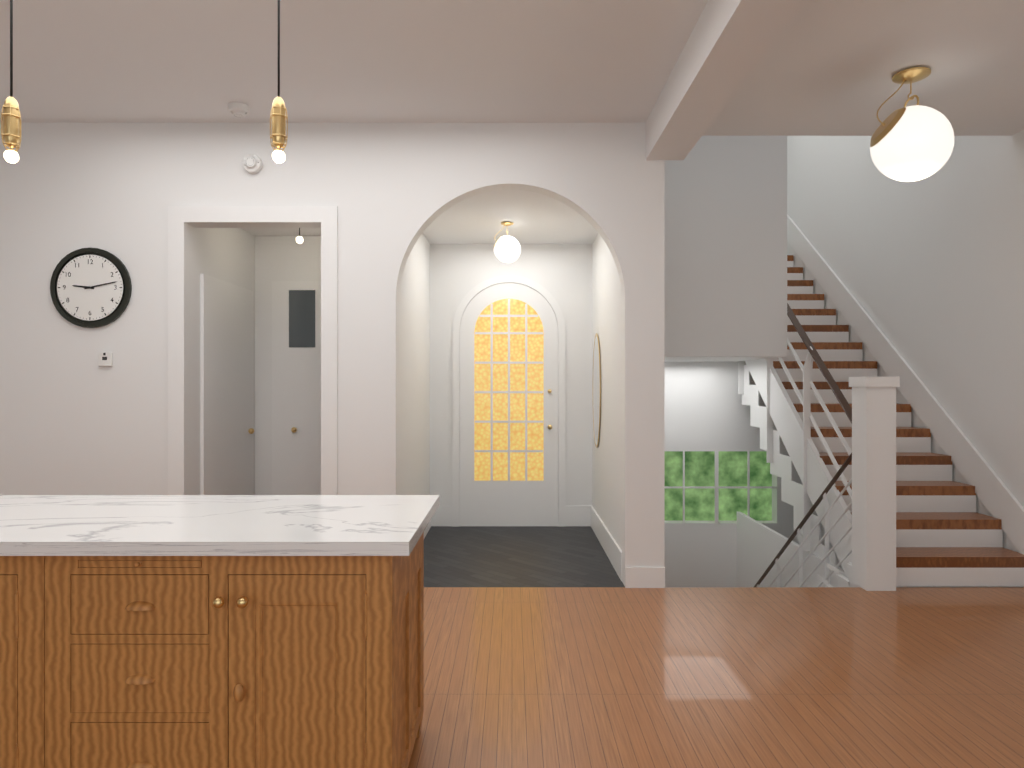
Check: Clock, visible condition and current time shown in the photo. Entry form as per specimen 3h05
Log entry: 9h13
